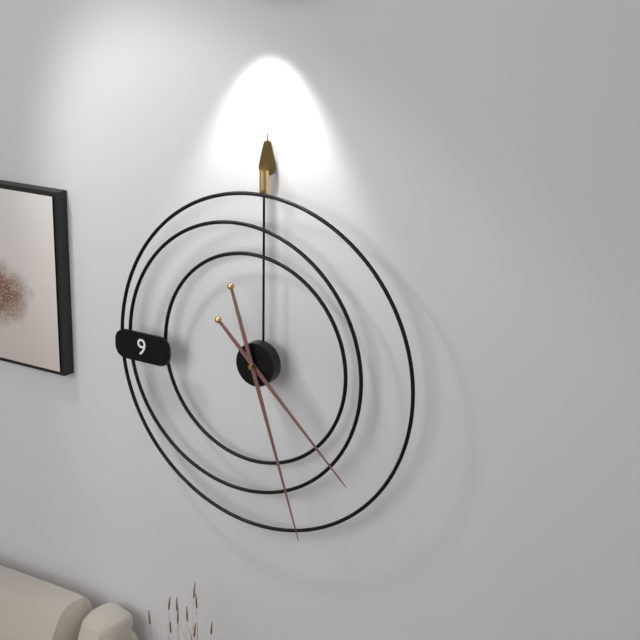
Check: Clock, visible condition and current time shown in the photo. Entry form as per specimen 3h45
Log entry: 4h27
